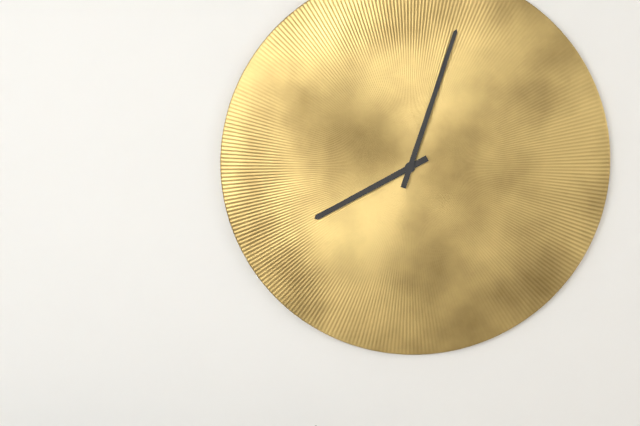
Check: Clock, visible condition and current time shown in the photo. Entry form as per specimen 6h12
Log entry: 8h03
